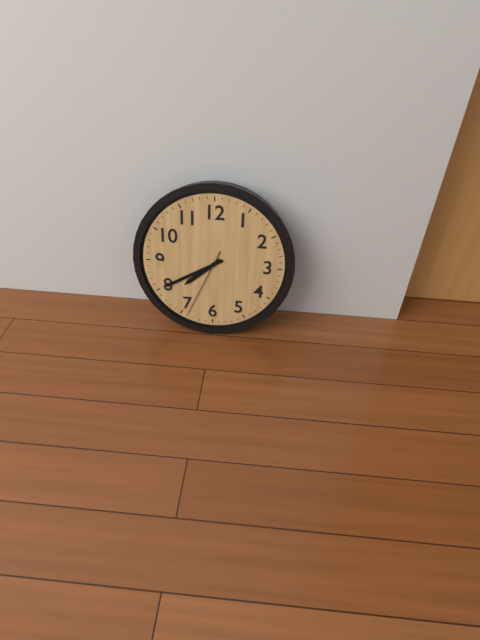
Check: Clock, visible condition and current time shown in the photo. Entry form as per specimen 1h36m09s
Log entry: 7h40m34s
